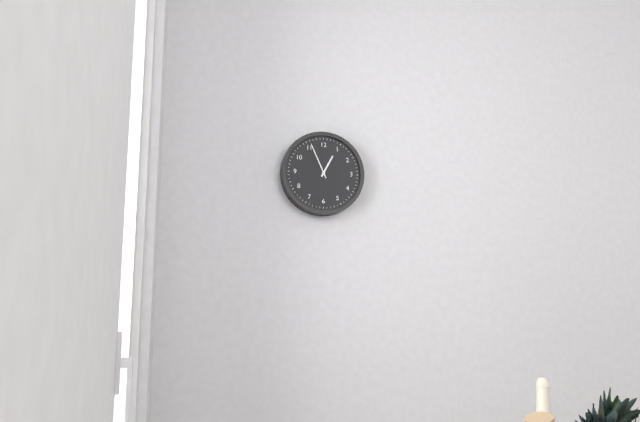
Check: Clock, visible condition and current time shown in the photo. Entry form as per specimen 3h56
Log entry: 12h56
